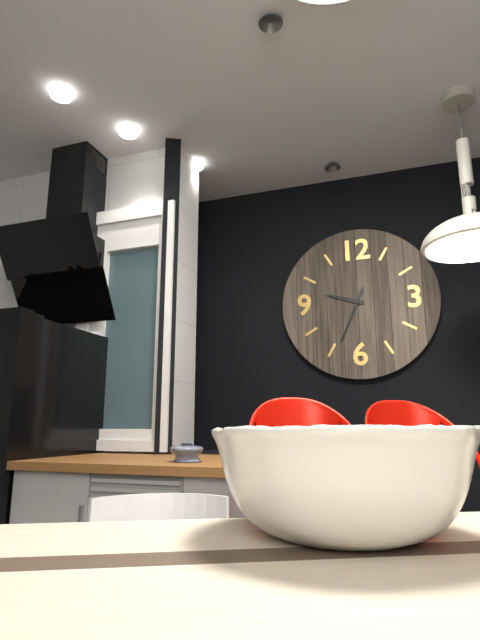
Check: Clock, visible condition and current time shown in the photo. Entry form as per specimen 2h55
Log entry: 9h34
